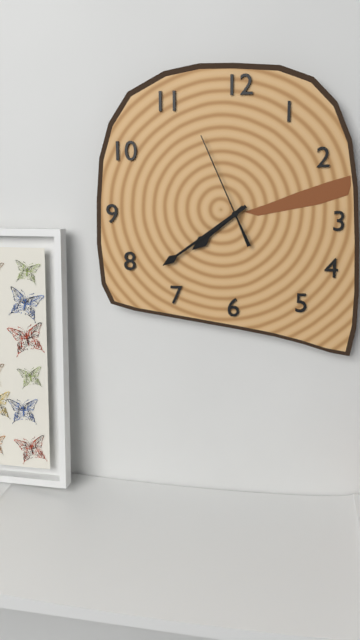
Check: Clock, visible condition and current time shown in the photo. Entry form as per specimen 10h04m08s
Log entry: 7h39m56s
